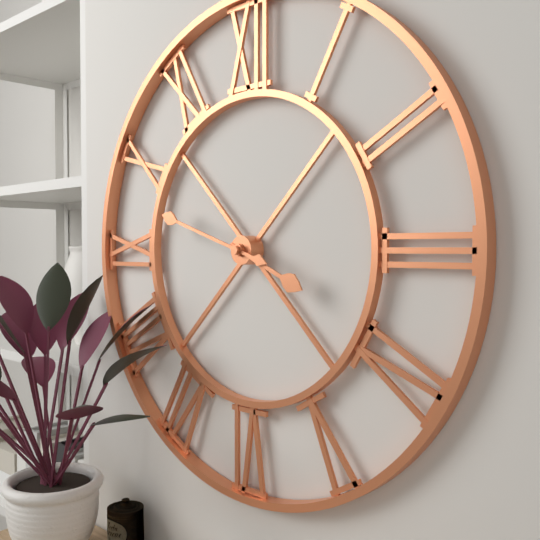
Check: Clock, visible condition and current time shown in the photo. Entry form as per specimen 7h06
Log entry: 3h48
